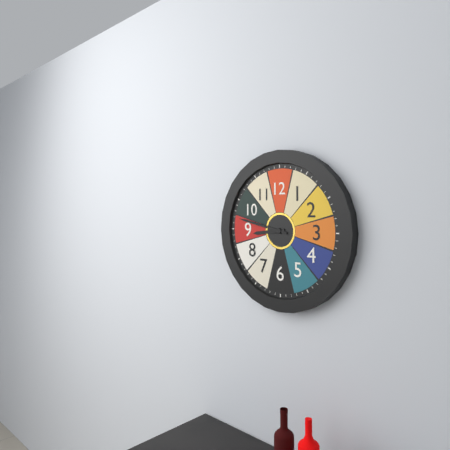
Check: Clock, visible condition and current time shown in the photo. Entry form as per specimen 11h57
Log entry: 8h47
